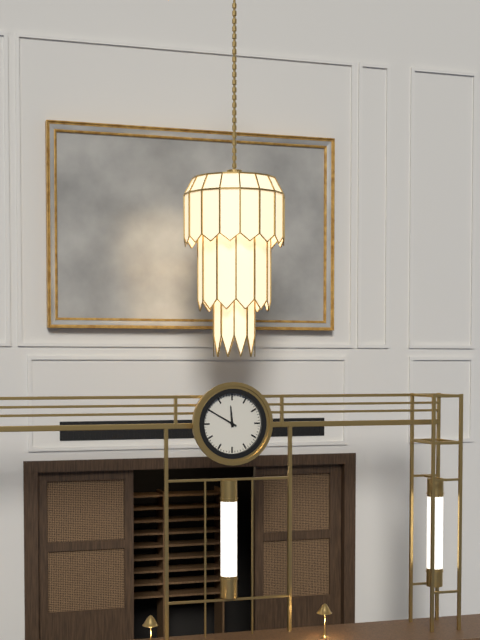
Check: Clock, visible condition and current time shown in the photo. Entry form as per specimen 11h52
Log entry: 11h50
